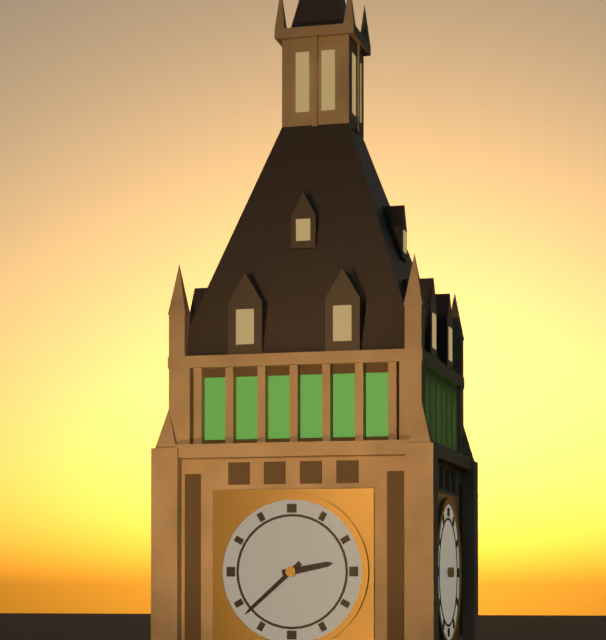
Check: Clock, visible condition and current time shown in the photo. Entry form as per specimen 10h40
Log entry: 2h38
